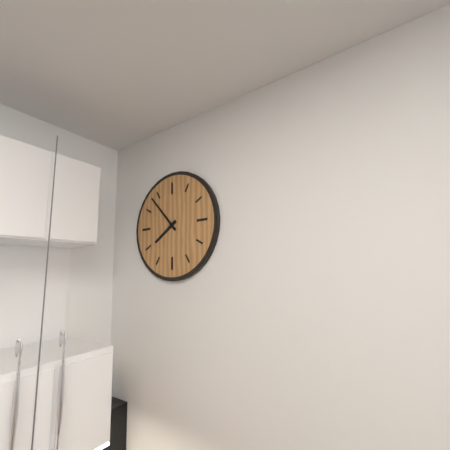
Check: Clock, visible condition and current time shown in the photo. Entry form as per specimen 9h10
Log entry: 7h53
